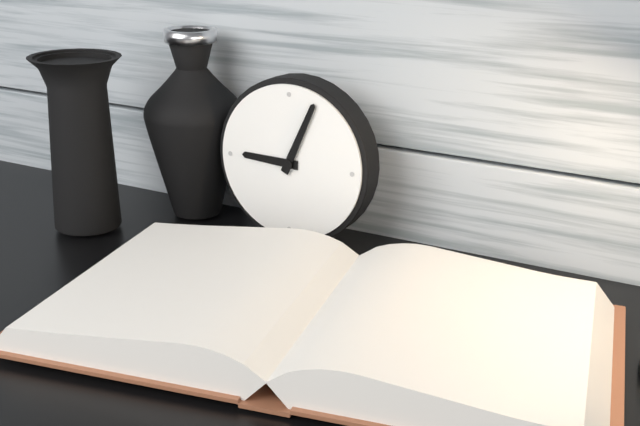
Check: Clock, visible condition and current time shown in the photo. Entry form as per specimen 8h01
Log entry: 9h04
